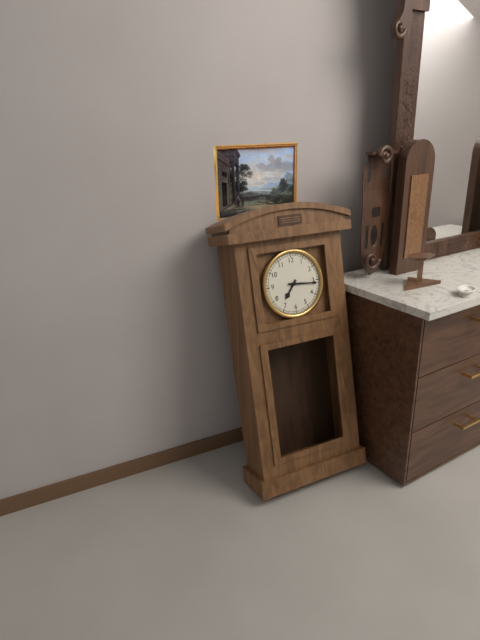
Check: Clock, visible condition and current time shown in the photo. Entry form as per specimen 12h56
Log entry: 7h16
